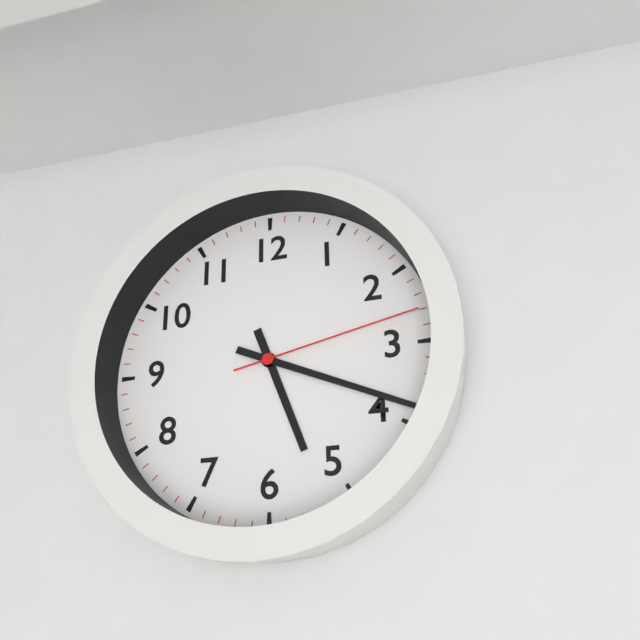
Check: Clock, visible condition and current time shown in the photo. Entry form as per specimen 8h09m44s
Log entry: 5h19m13s
